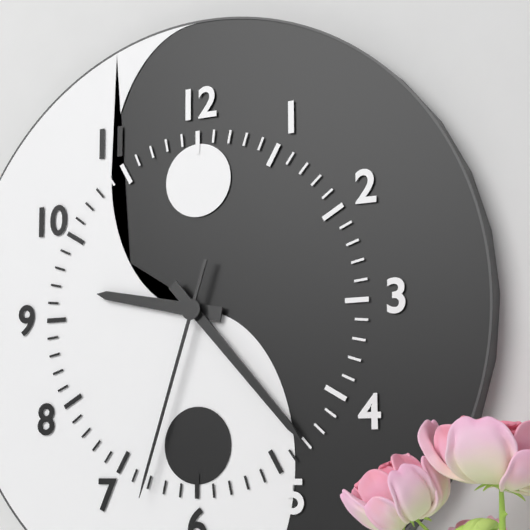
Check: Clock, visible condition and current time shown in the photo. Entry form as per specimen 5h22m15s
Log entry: 9h23m33s
